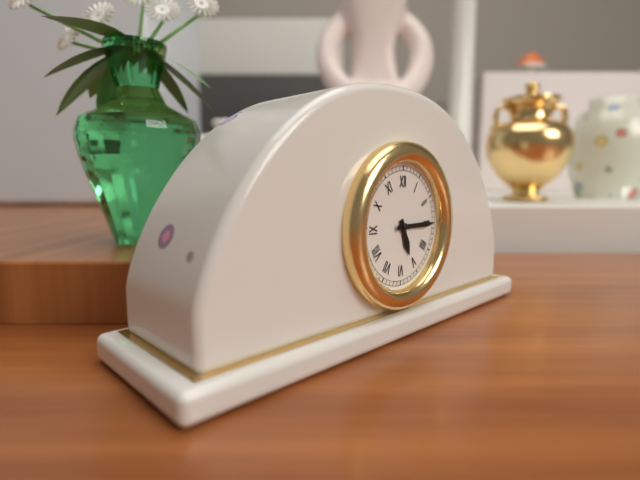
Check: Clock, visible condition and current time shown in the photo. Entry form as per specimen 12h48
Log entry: 5h15
